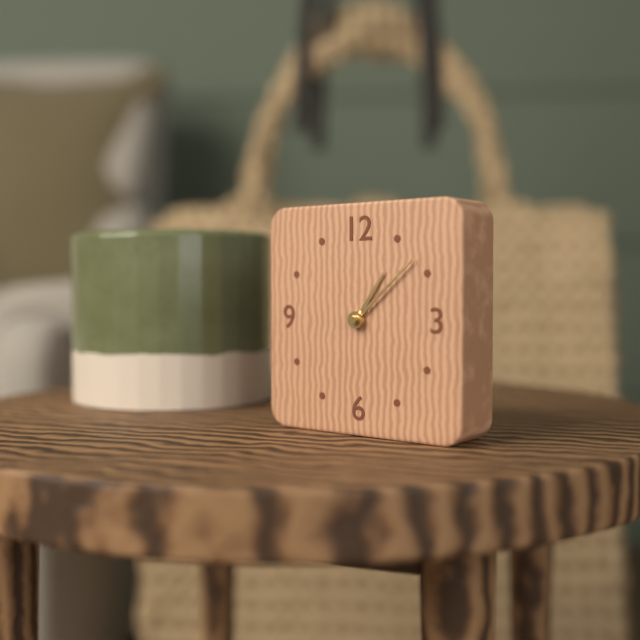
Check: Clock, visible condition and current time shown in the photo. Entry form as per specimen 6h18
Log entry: 1h08
